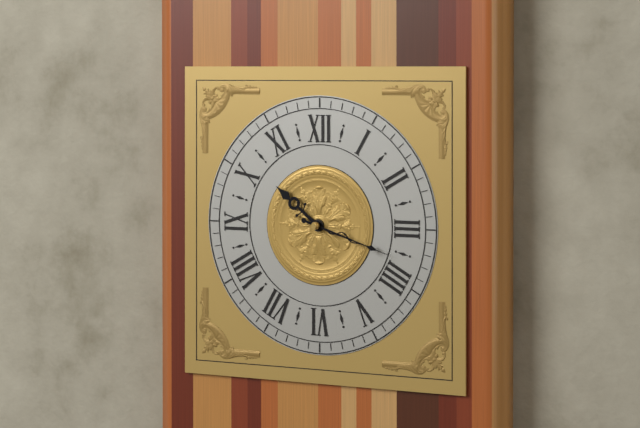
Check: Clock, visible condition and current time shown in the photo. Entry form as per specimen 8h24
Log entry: 10h18
